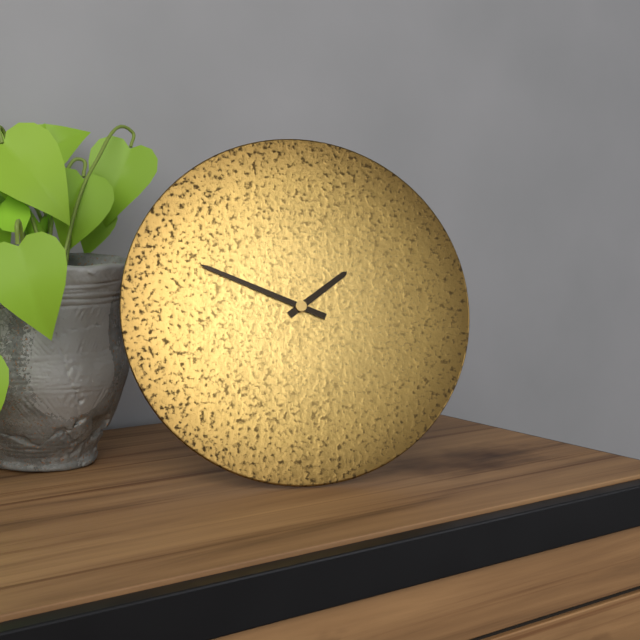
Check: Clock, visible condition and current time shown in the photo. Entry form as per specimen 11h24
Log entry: 1h49
